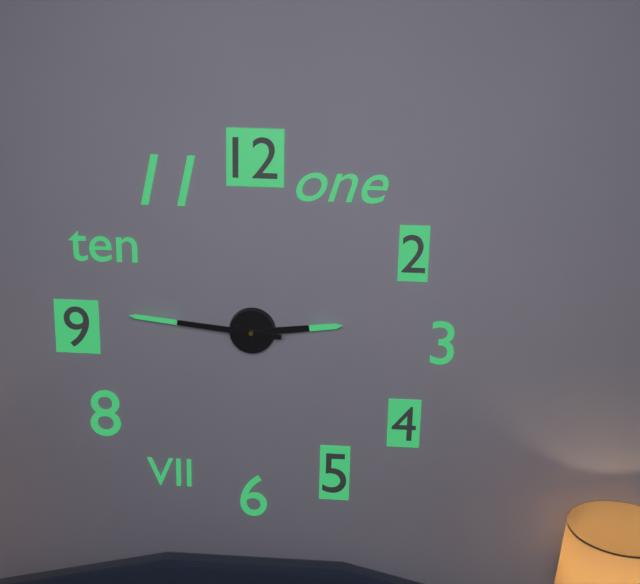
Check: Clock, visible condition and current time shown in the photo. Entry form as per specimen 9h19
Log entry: 2h46
